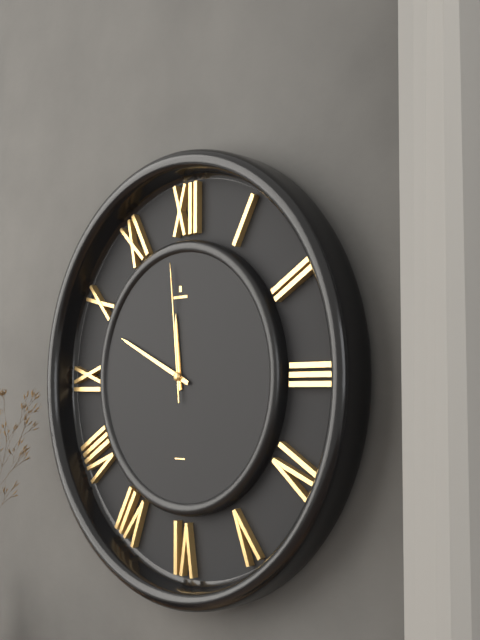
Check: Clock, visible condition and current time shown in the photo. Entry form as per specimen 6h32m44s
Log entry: 11h49m59s
